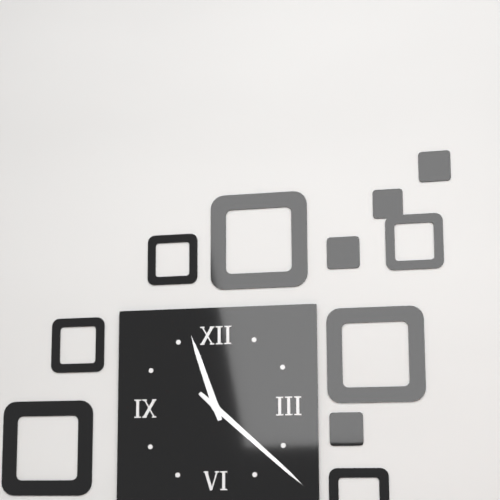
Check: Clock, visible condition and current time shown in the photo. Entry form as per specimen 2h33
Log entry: 11h22
